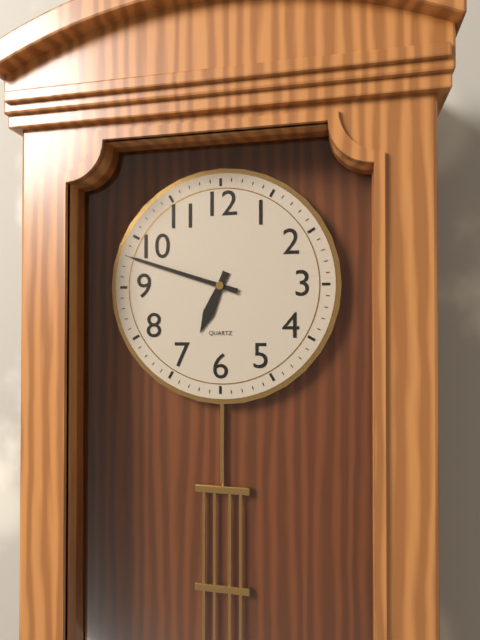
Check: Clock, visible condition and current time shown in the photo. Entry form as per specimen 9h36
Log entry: 6h48
